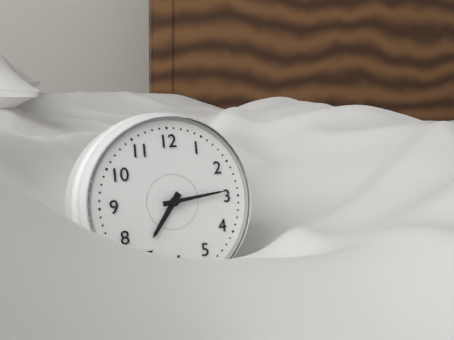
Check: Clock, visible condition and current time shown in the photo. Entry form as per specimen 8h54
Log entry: 7h14
